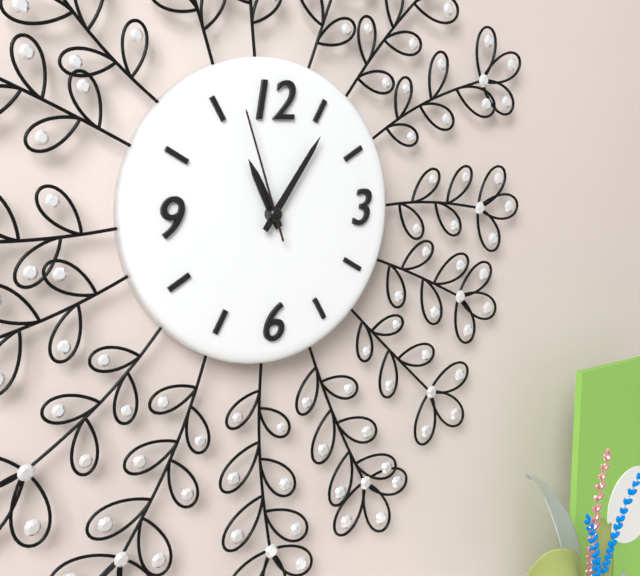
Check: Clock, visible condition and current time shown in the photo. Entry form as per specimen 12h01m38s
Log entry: 11h06m57s
